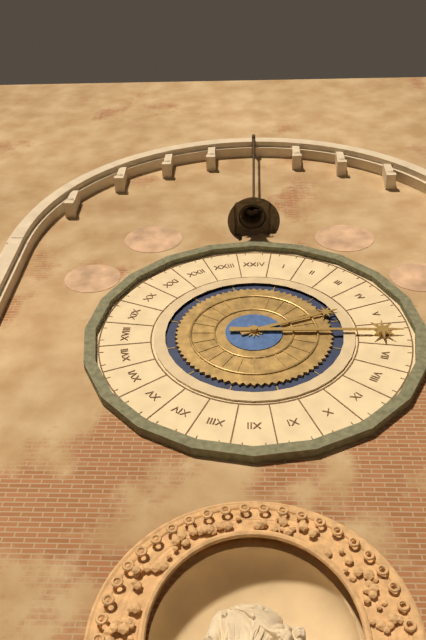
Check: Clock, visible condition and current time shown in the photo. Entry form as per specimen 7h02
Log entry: 2h15
